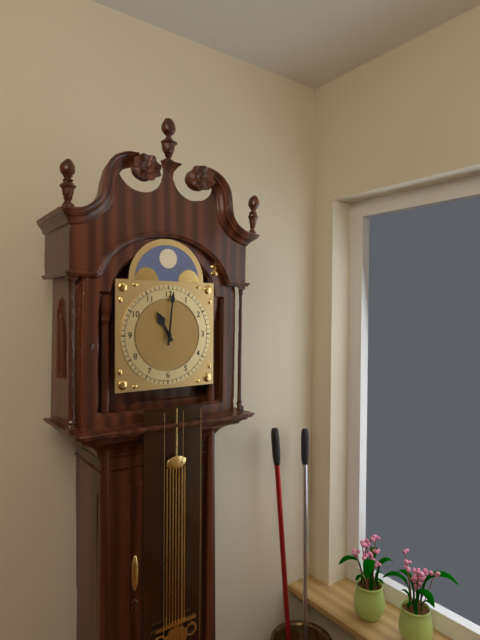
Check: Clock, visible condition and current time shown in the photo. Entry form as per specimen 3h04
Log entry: 11h01
